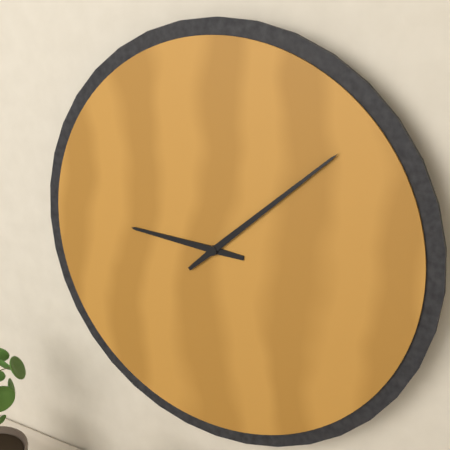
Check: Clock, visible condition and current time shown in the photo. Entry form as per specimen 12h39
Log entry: 9h08
